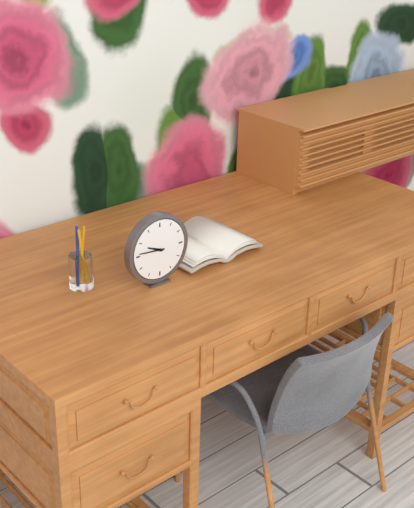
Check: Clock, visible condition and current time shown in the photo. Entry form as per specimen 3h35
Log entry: 9h46
